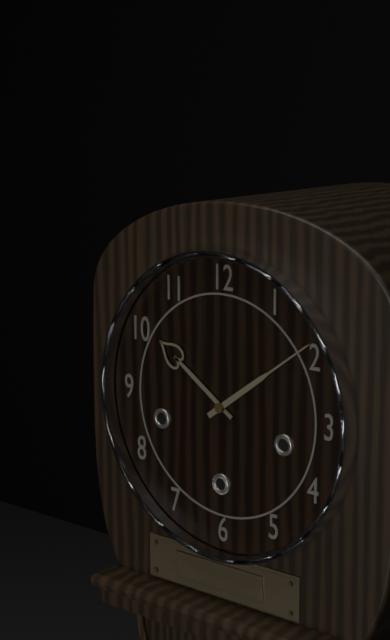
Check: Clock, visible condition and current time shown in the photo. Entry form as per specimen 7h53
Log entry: 10h09
